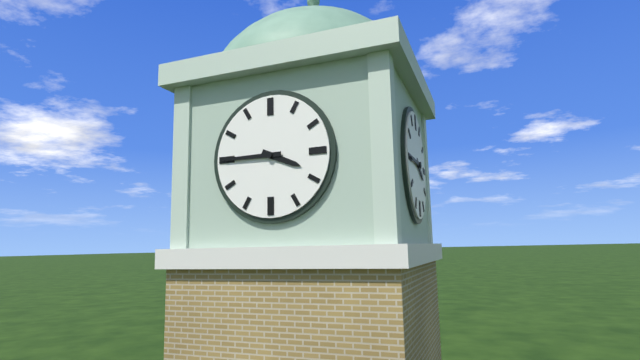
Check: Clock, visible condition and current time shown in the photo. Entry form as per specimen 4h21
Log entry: 3h45
